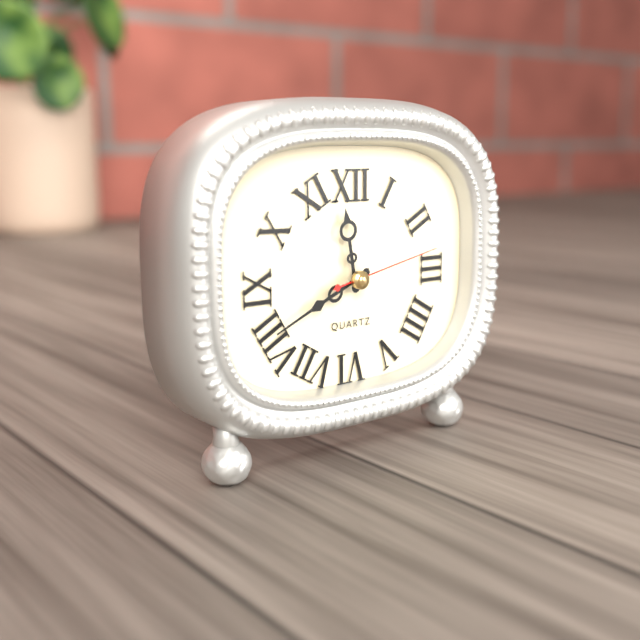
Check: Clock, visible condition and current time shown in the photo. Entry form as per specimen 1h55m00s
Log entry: 11h41m13s
